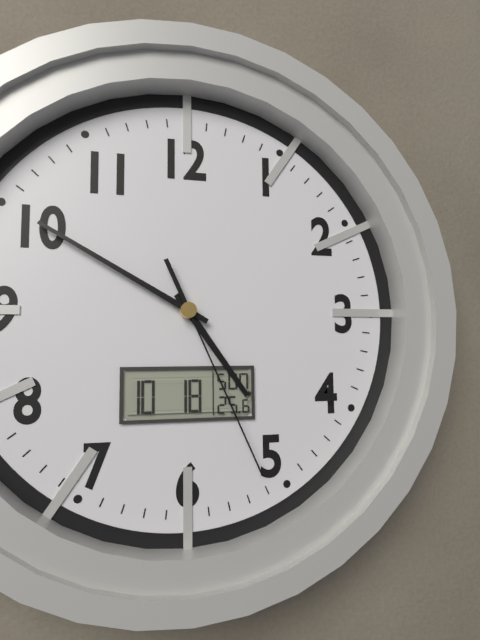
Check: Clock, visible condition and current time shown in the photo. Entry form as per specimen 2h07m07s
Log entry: 4h50m26s
